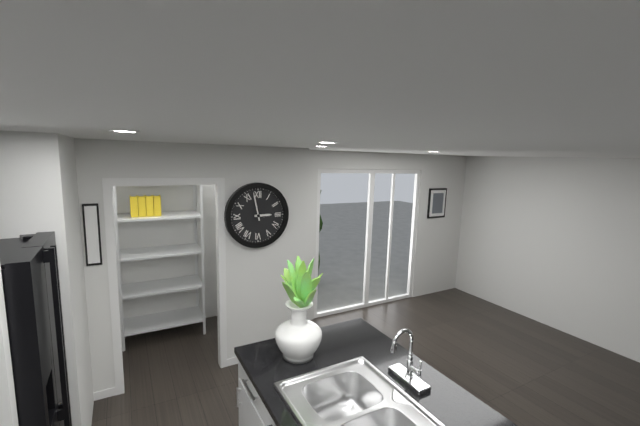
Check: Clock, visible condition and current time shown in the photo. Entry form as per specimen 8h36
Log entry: 2h58
